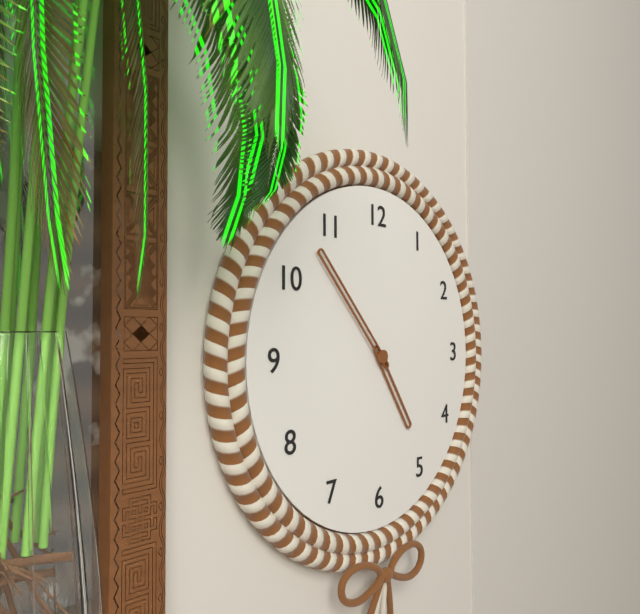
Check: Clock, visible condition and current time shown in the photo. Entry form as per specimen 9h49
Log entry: 4h53
